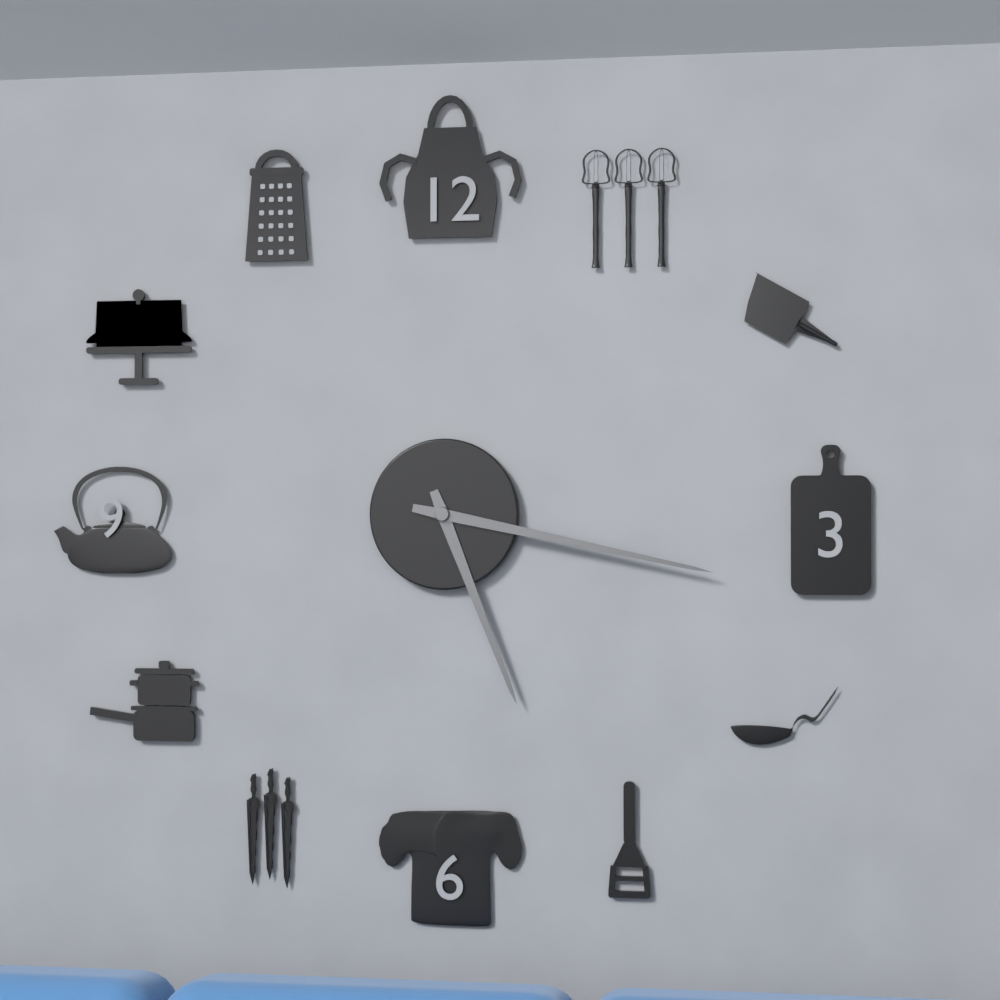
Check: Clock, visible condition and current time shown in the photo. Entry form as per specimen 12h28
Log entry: 5h17
